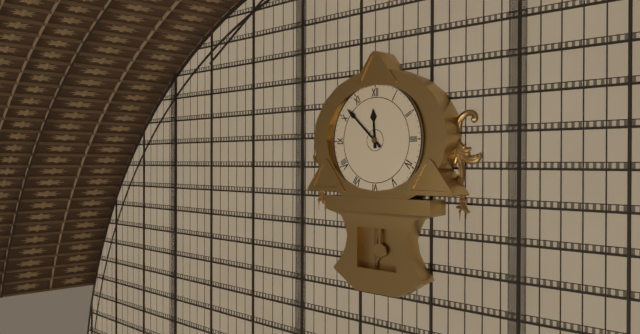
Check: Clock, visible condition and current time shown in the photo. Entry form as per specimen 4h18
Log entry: 11h52
